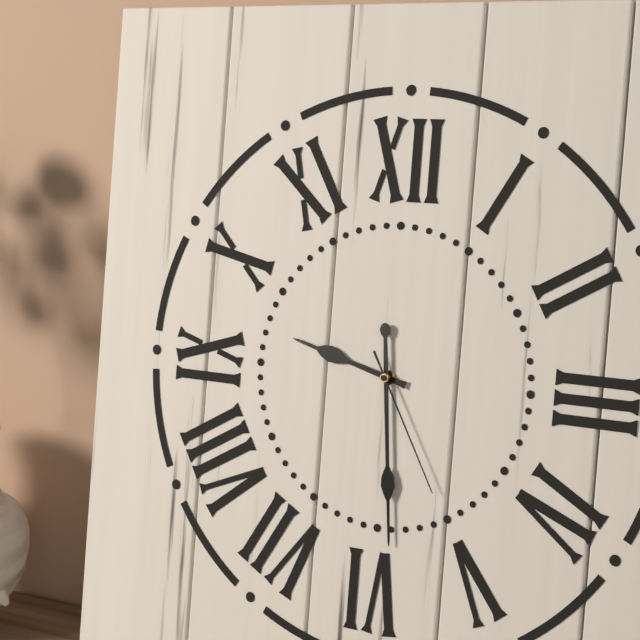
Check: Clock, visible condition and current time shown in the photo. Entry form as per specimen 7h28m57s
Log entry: 9h29m25s
